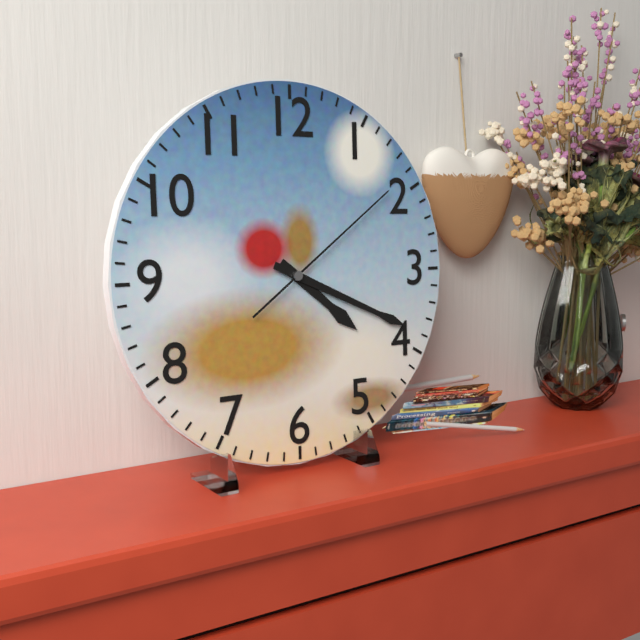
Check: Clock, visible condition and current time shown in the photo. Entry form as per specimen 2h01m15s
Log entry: 4h19m09s
